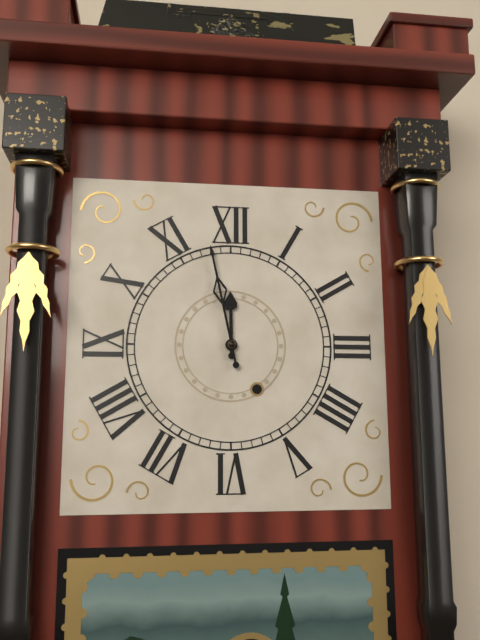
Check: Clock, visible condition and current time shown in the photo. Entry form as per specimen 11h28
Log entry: 11h58
